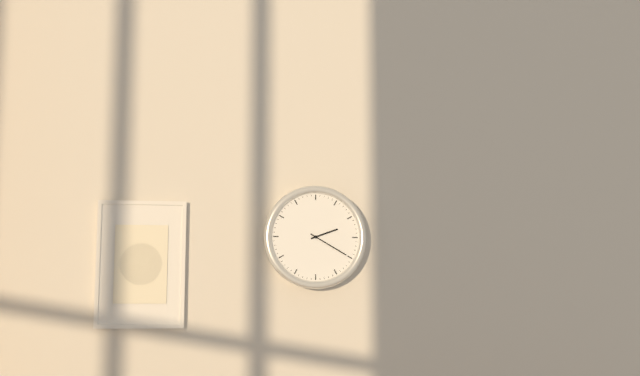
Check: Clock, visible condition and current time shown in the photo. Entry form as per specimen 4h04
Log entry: 2h20
